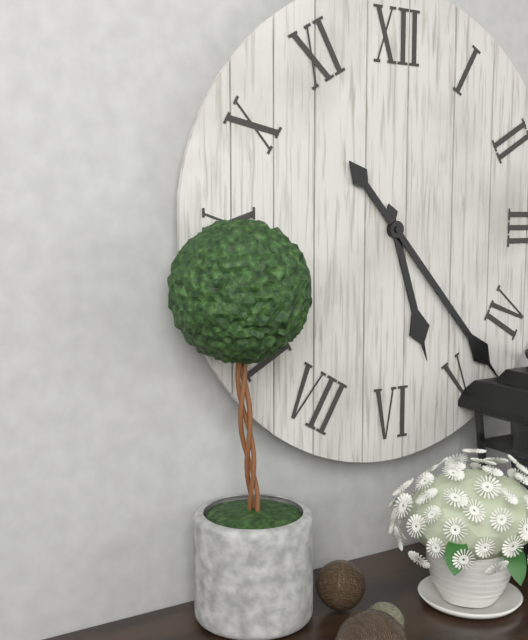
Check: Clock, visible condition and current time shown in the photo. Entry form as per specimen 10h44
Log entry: 5h23
